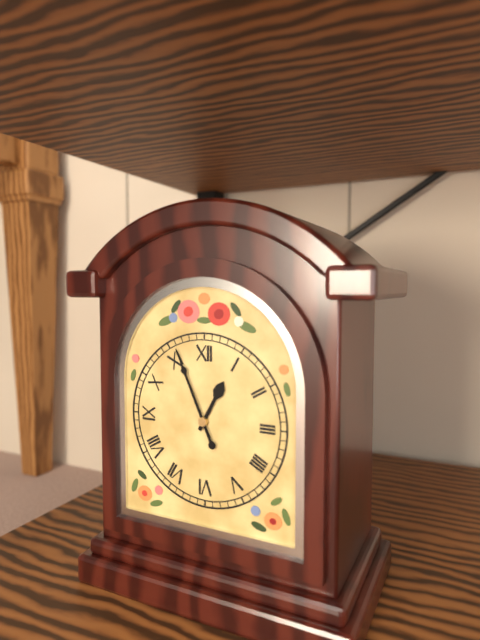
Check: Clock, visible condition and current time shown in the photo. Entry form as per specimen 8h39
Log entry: 12h56
